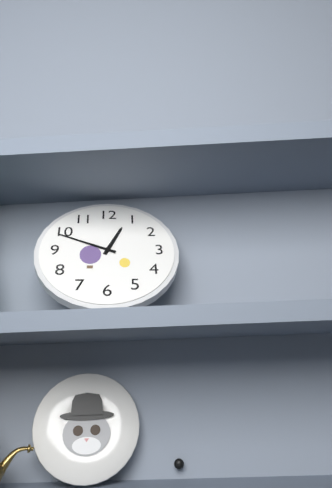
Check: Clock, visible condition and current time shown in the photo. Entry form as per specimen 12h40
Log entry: 12h49
